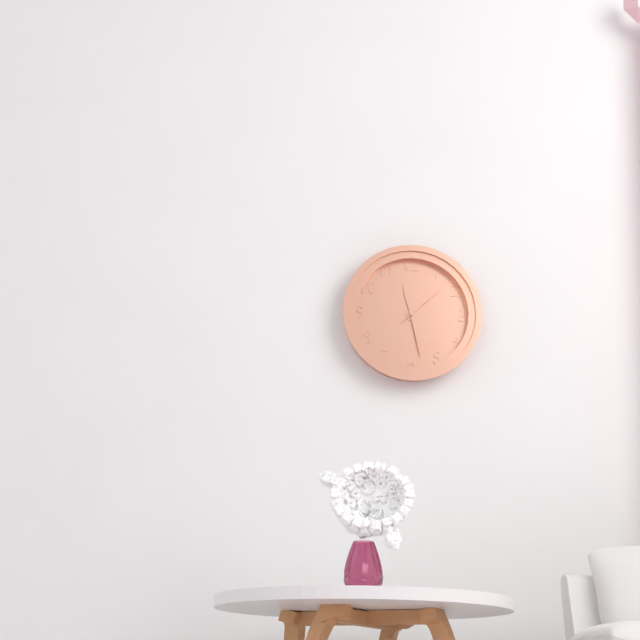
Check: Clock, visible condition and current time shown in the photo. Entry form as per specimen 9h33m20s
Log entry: 11h28m08s
